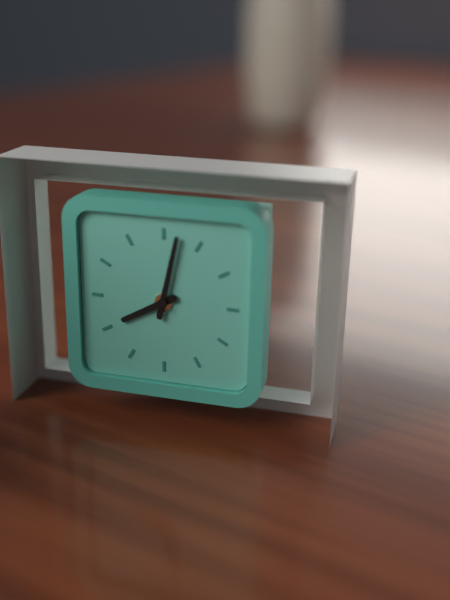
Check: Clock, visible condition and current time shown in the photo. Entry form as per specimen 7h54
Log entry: 8h02
